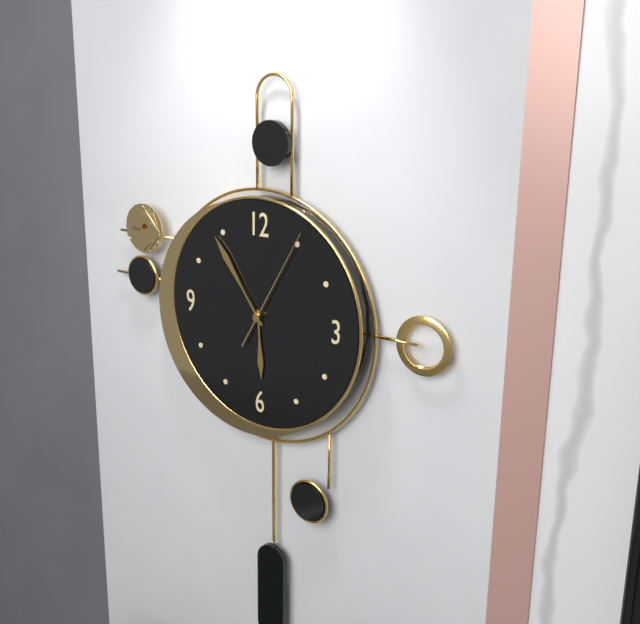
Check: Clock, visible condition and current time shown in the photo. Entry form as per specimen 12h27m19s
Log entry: 5h54m05s
